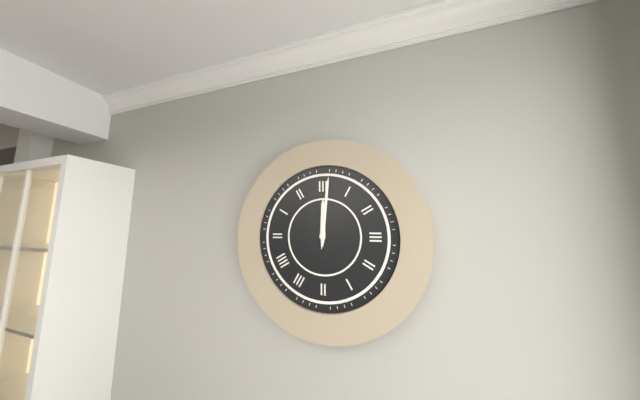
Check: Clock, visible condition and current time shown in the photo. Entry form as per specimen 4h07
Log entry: 12h01
